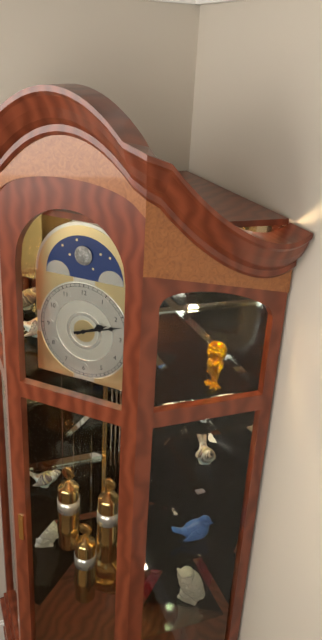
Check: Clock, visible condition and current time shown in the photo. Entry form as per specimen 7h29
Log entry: 2h12
